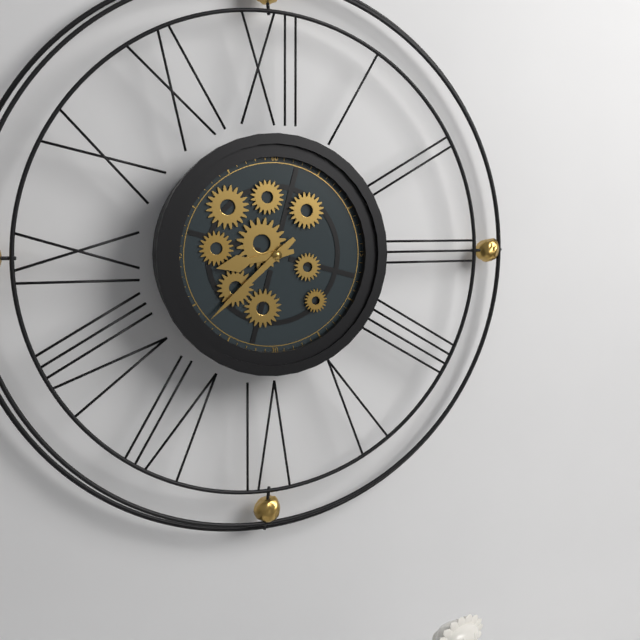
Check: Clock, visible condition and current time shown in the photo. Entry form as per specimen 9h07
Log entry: 8h38
